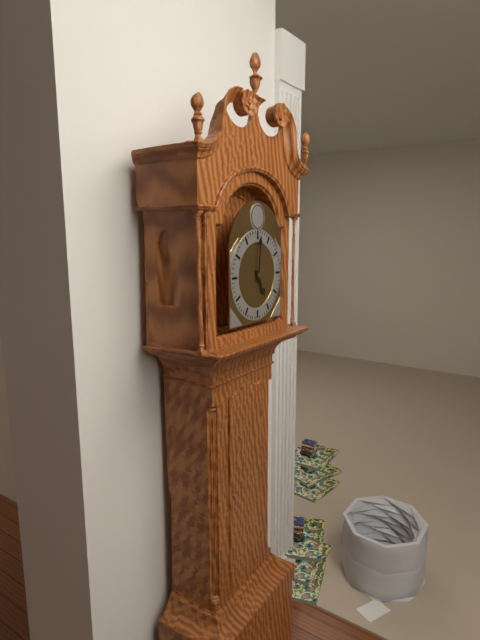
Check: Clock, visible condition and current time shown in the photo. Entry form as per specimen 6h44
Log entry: 5h01
